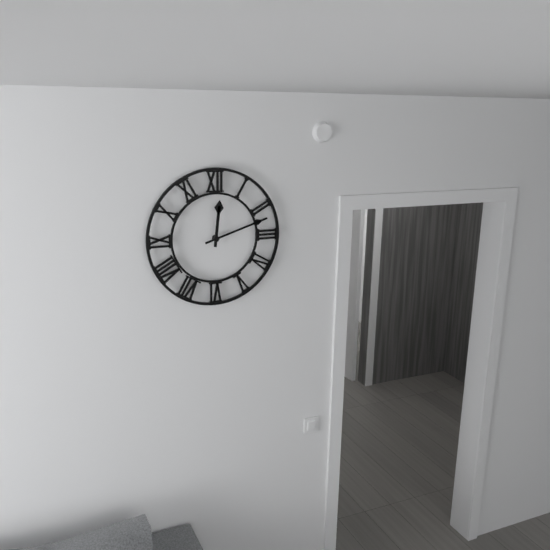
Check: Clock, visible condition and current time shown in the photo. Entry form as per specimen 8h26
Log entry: 12h12
